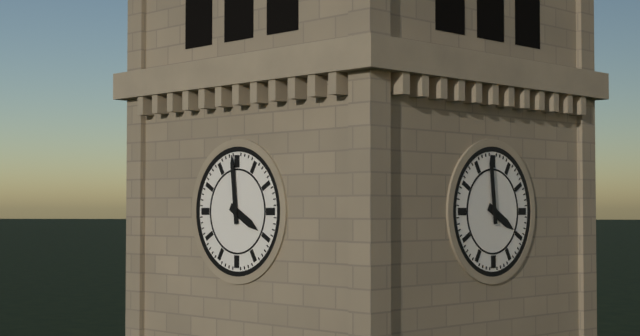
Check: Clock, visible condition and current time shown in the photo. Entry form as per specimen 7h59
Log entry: 3h59
